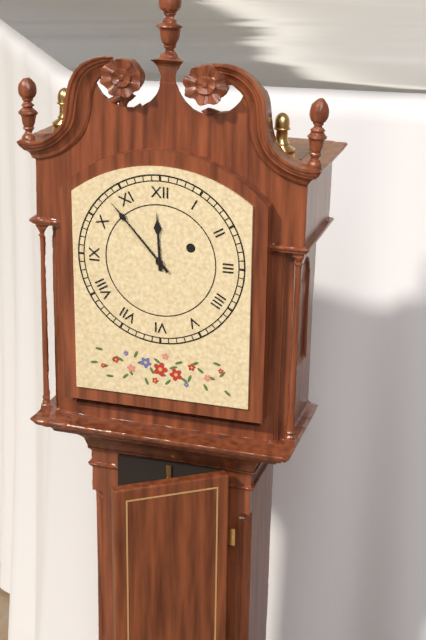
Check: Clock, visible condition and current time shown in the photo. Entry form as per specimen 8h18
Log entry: 11h53
